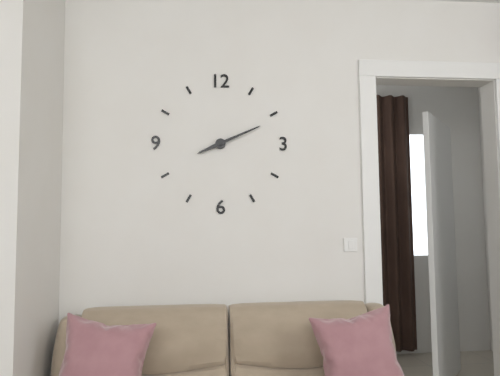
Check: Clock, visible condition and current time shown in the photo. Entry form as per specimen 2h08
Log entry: 8h11
